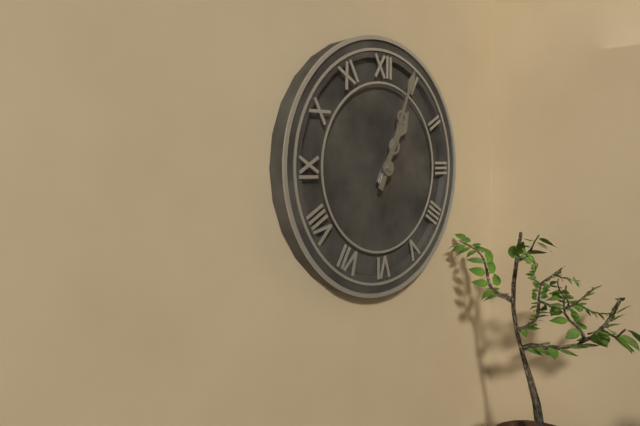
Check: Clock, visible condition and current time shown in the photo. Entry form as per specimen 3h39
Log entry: 1h04
